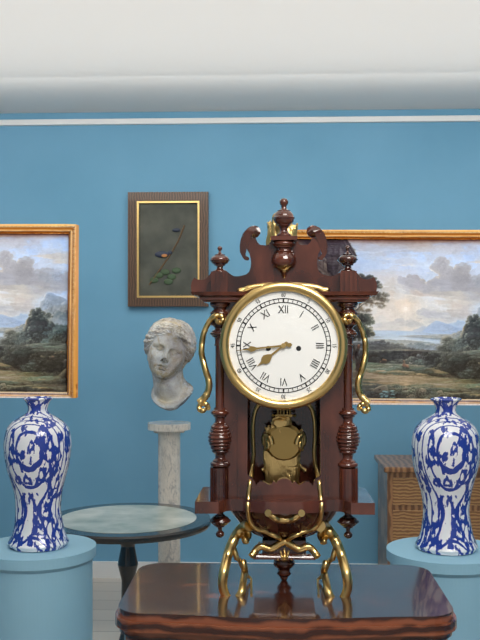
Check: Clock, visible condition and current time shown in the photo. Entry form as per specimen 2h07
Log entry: 7h44
